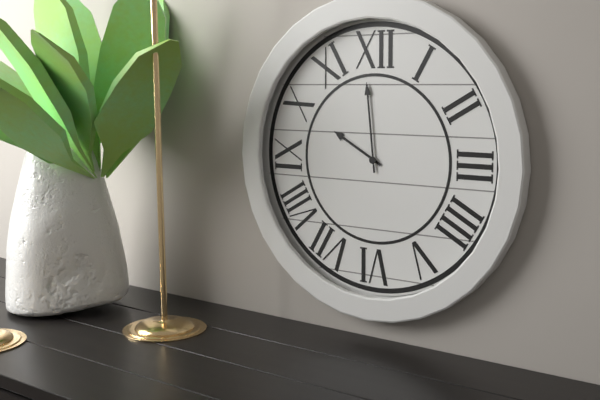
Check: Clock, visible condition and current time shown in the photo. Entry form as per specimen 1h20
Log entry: 9h59
